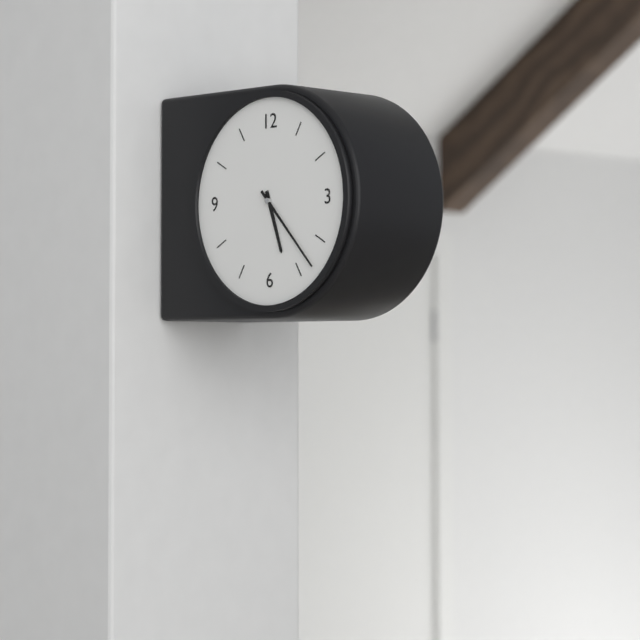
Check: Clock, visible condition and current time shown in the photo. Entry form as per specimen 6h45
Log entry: 5h23
